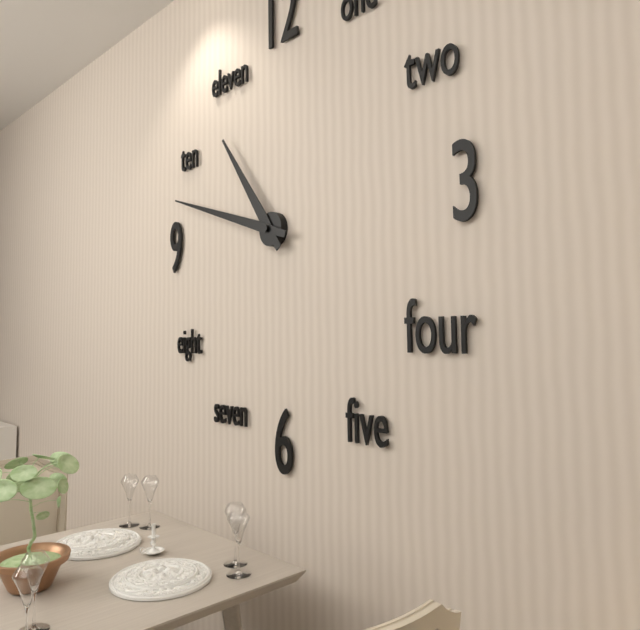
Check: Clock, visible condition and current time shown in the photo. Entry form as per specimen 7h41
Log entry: 10h48
